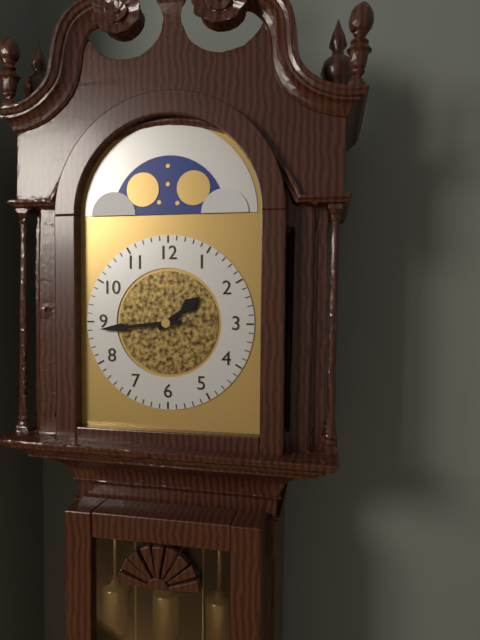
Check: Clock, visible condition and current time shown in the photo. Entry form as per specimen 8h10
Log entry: 1h44
